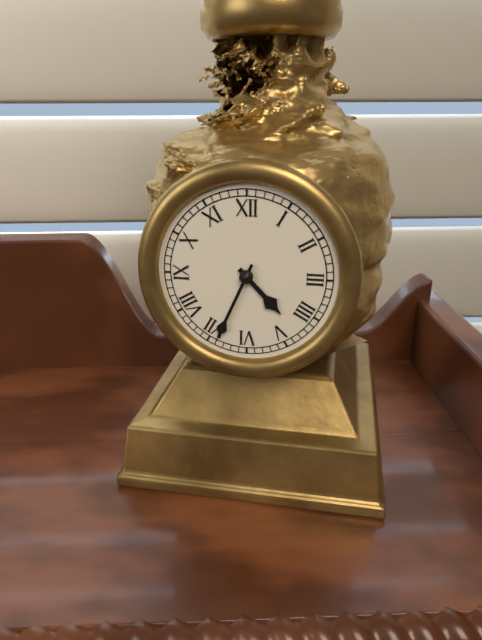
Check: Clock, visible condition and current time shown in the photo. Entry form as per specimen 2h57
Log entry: 4h34
